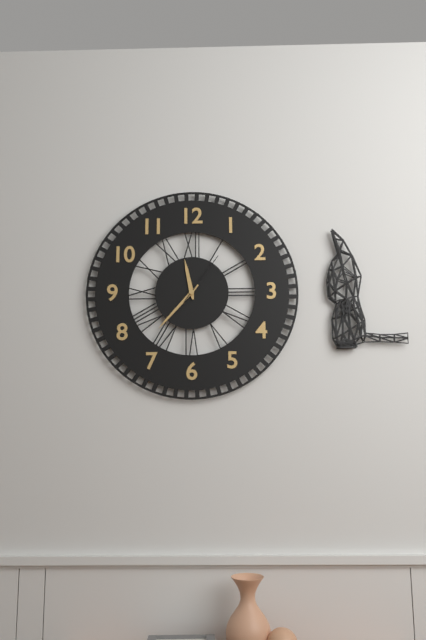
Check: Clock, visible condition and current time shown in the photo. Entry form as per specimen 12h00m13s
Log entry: 11h37m06s
